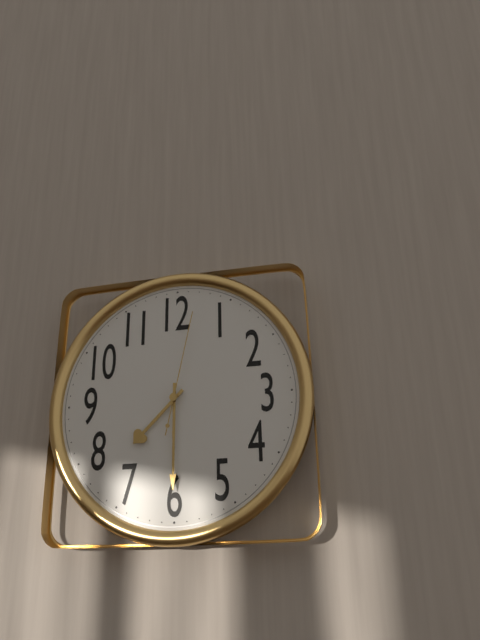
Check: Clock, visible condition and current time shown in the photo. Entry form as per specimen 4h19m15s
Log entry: 7h30m02s
